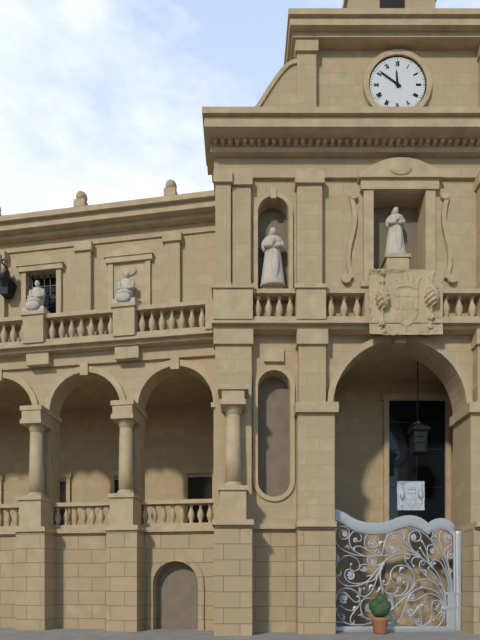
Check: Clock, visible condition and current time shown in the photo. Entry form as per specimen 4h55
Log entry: 11h51
